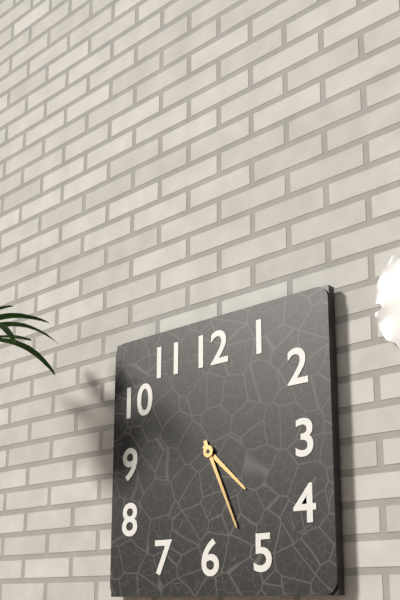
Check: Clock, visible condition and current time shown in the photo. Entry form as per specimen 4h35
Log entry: 4h26
